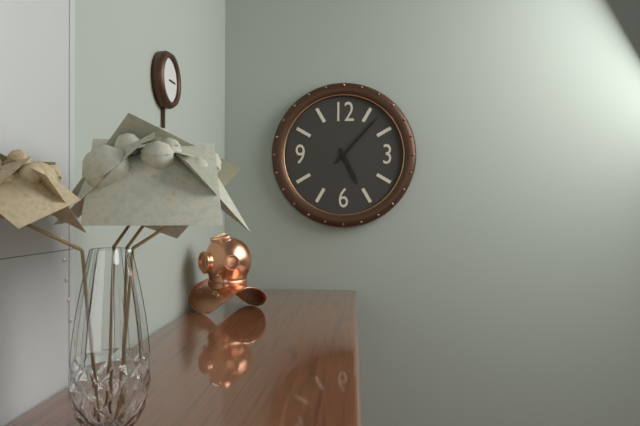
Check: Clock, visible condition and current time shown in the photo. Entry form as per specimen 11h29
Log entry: 5h07
